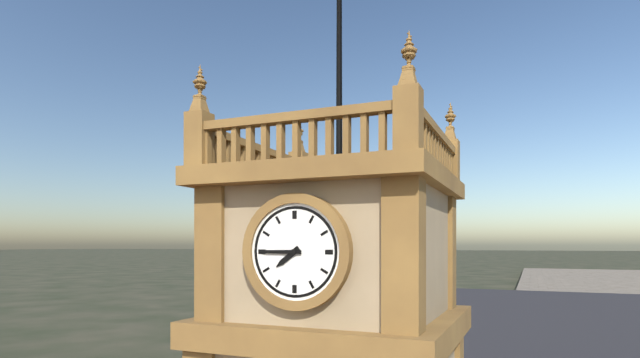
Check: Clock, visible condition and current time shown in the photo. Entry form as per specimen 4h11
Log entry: 7h45
